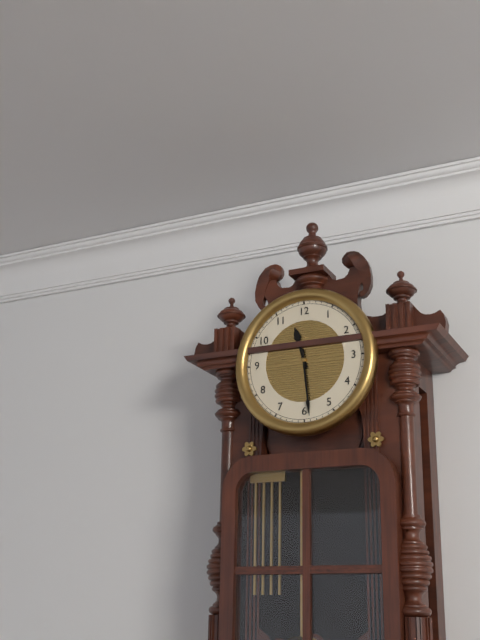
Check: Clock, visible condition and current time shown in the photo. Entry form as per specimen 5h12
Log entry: 11h29
